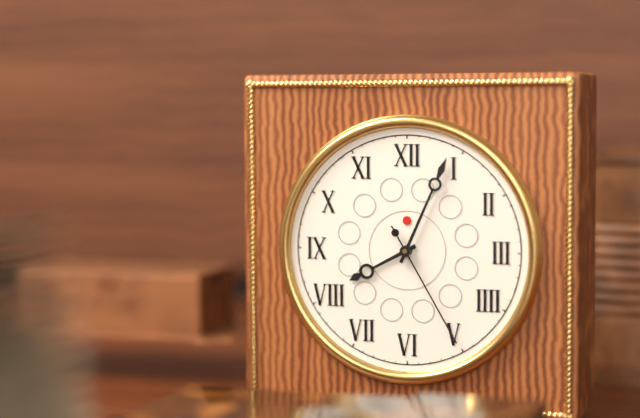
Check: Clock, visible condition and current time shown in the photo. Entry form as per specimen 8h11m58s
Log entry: 8h04m25s
